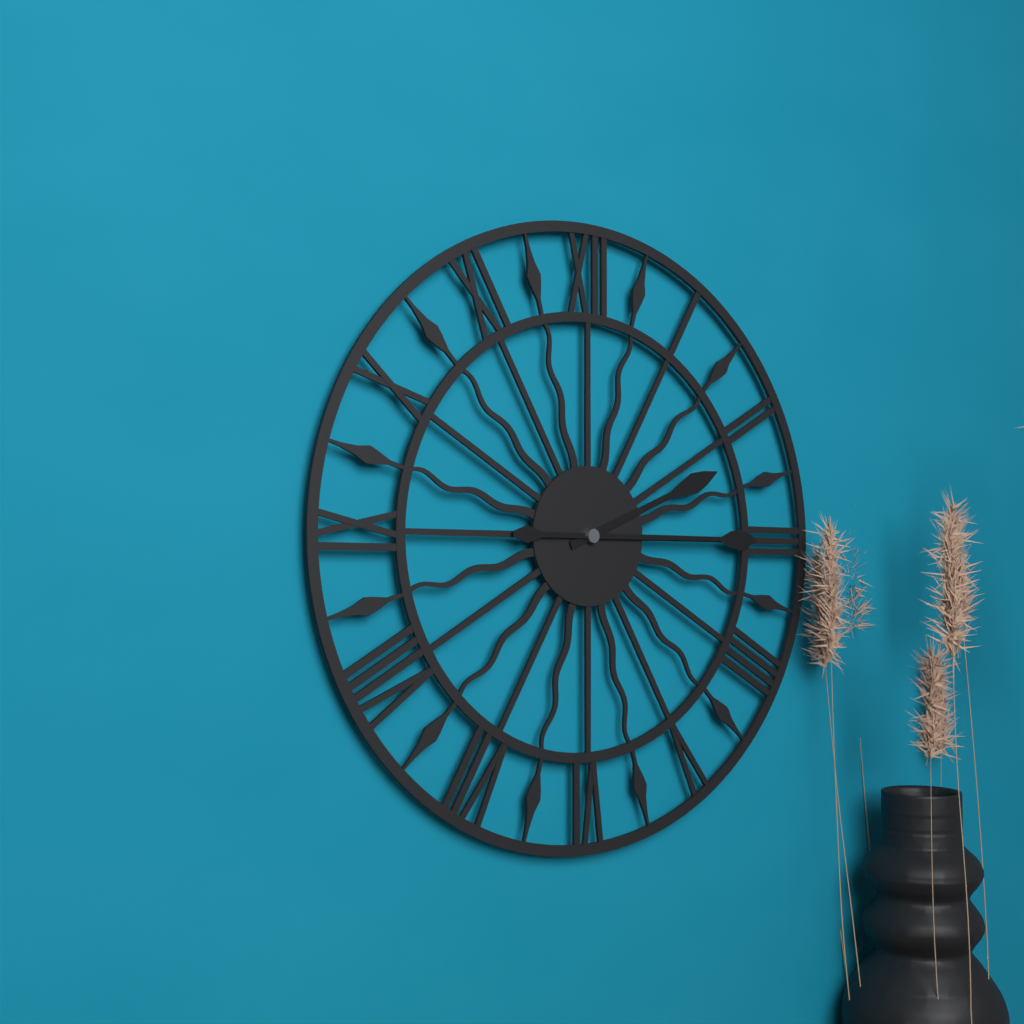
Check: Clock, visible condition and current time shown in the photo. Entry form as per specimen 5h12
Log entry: 2h15
